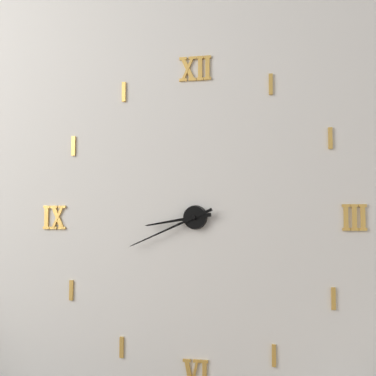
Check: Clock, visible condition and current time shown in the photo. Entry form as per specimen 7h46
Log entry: 8h41
